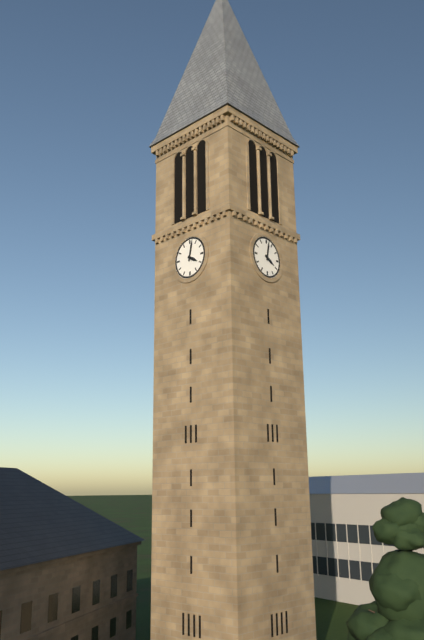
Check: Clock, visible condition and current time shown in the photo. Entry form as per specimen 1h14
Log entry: 4h02
